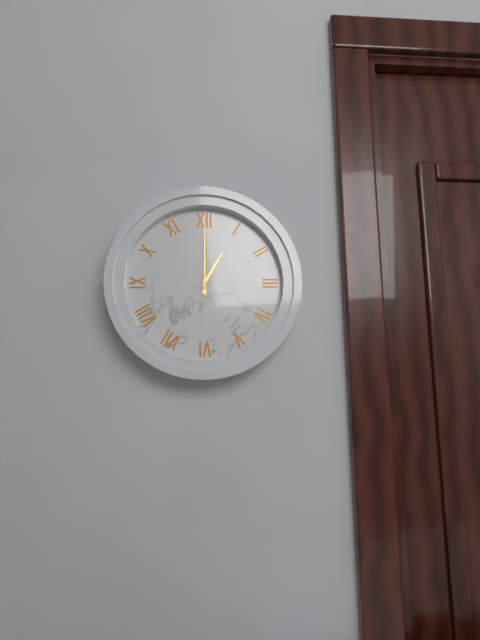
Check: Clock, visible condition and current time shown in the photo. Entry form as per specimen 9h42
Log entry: 1h00
